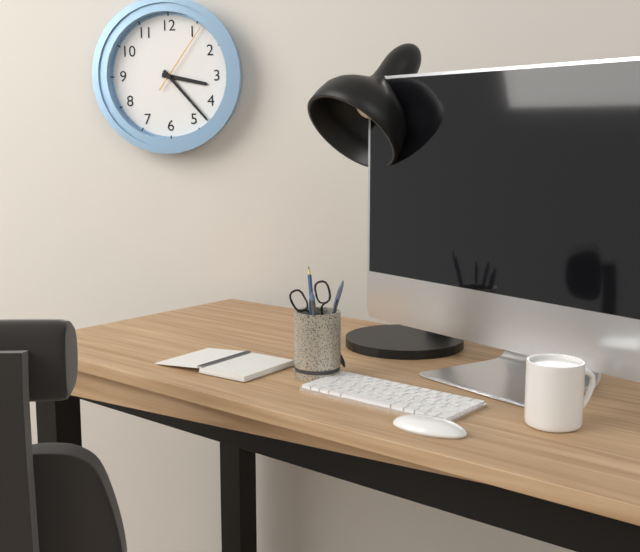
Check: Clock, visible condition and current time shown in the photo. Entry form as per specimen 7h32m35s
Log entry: 3h23m06s
